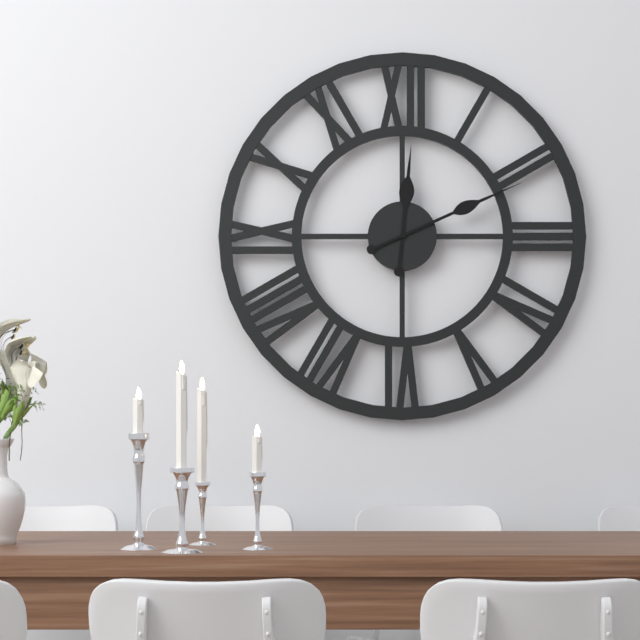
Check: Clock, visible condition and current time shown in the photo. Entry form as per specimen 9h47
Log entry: 12h11
